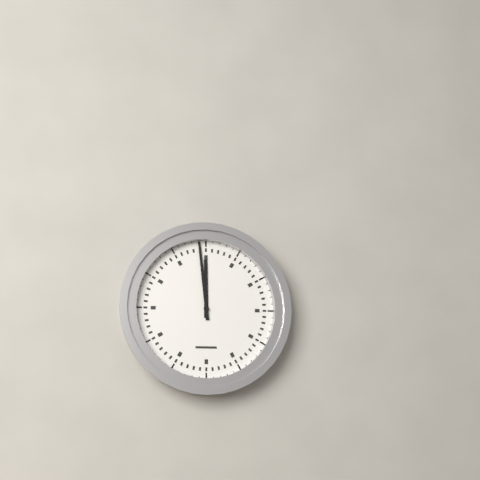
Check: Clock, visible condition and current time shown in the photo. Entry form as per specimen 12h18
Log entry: 11h59
